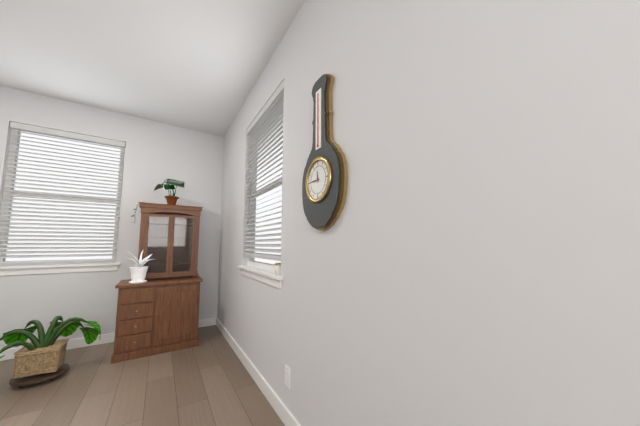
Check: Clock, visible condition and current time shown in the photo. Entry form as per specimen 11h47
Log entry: 11h45
